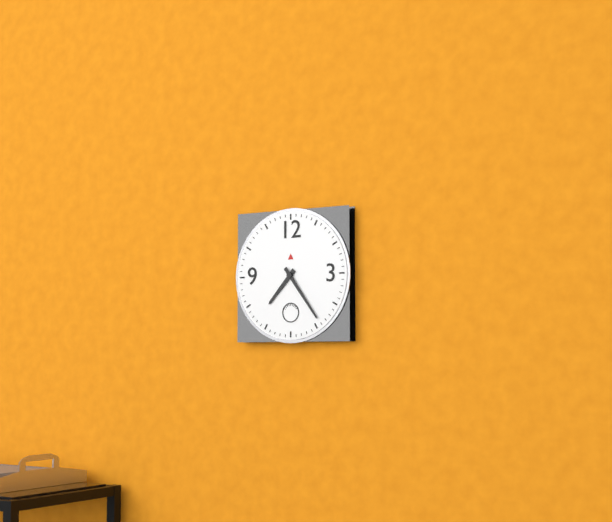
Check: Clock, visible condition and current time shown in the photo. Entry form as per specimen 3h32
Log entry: 7h24
